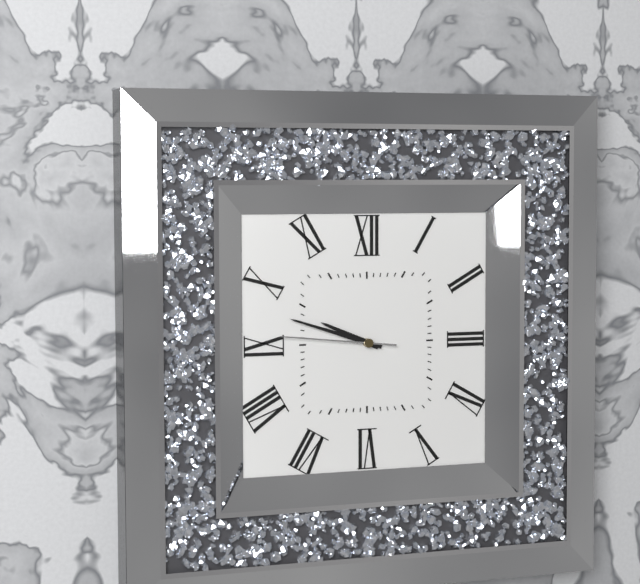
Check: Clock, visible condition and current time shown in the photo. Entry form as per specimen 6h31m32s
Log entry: 9h48m46s
